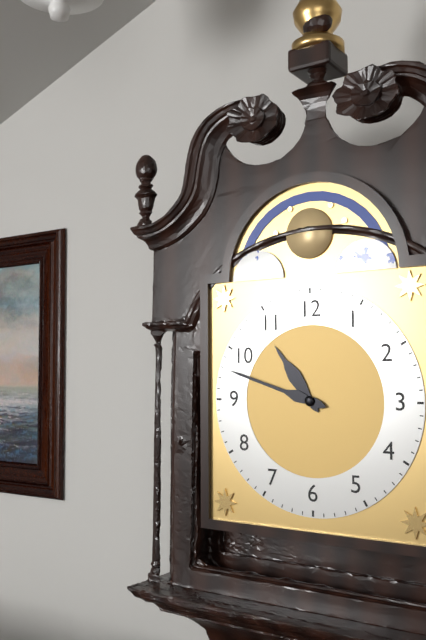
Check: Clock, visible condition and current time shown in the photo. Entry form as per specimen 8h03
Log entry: 10h48
